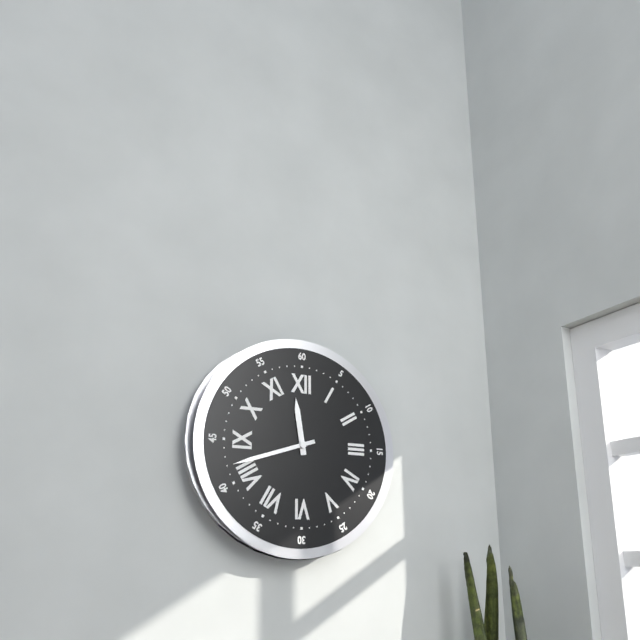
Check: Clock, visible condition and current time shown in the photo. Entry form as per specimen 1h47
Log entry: 11h42
